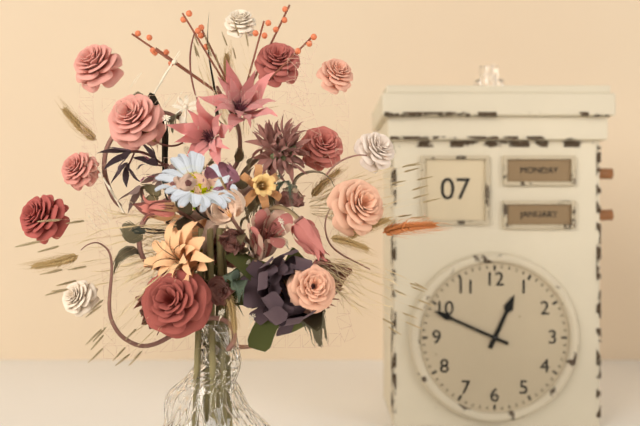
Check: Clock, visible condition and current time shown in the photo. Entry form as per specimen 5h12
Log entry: 12h49
